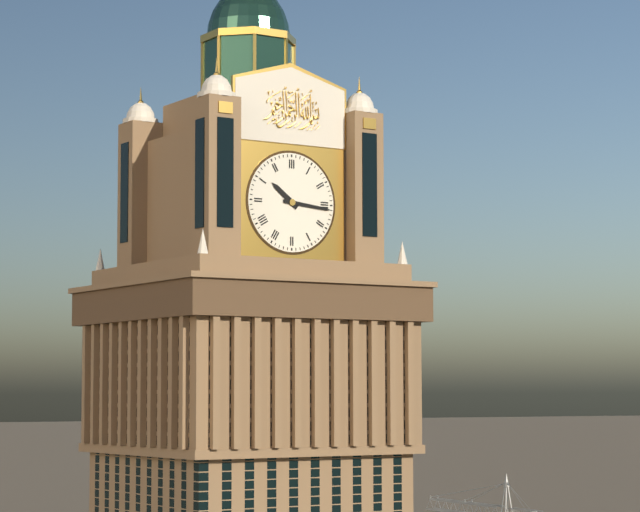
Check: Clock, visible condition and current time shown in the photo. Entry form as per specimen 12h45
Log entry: 10h16
